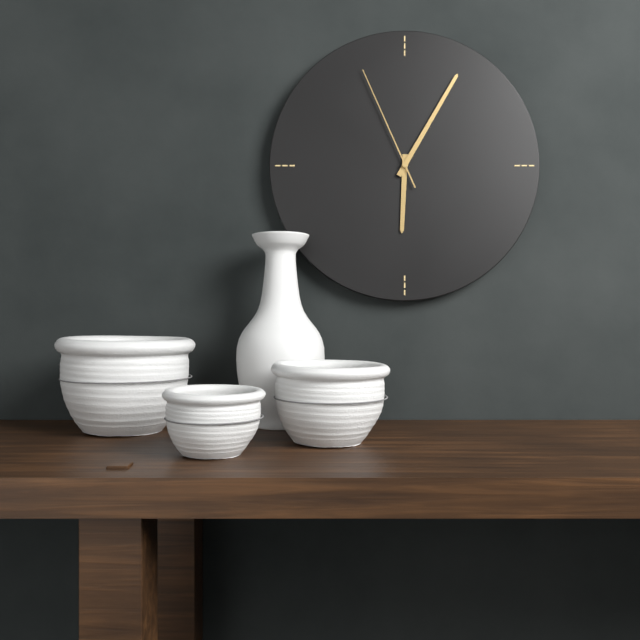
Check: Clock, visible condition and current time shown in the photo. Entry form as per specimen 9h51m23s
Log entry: 6h05m56s
